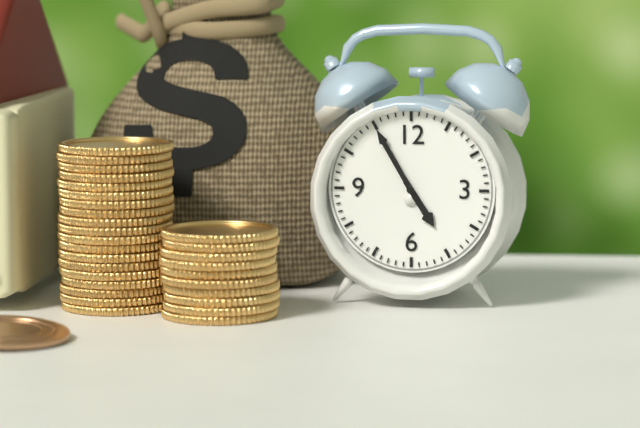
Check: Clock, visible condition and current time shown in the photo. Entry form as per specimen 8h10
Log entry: 4h55
